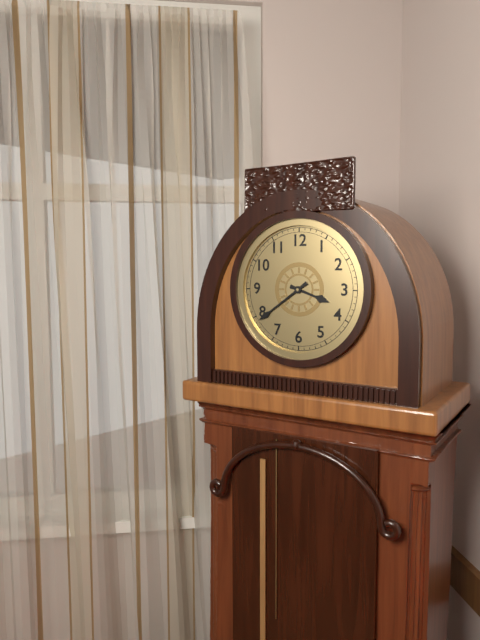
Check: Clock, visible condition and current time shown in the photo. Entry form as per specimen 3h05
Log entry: 3h39
